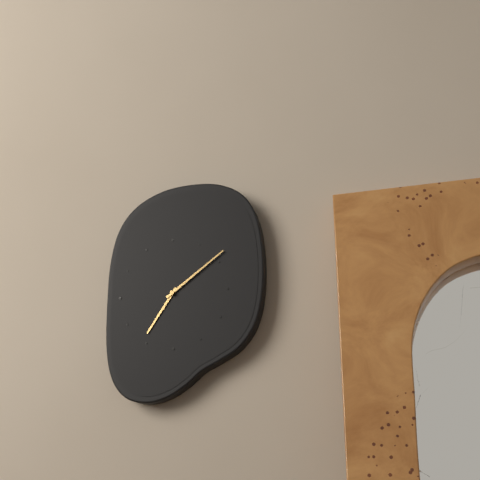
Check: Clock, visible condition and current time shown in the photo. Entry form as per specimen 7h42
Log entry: 7h09
